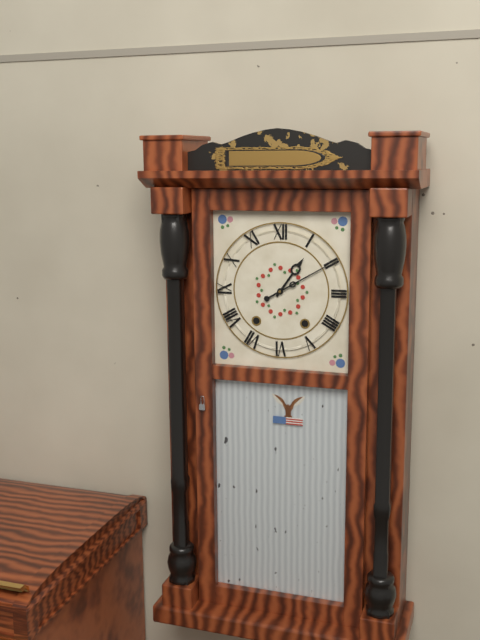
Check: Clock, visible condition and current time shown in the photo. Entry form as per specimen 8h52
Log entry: 1h10
